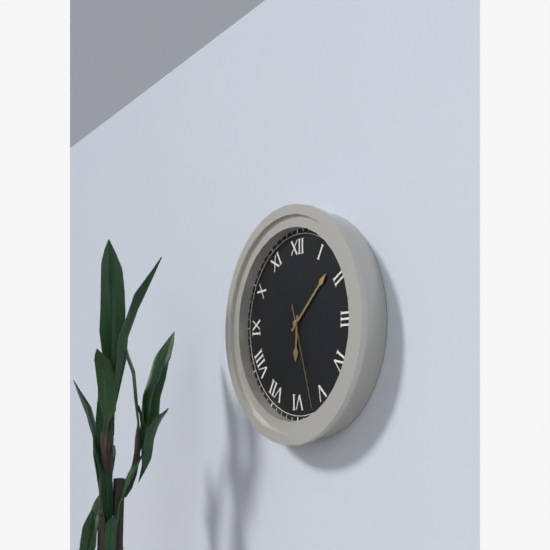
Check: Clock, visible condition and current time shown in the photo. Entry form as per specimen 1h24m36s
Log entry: 6h08m27s
